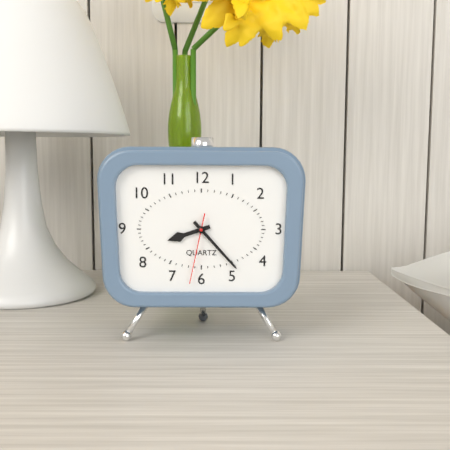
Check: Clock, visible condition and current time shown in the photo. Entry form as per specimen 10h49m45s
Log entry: 8h23m32s
